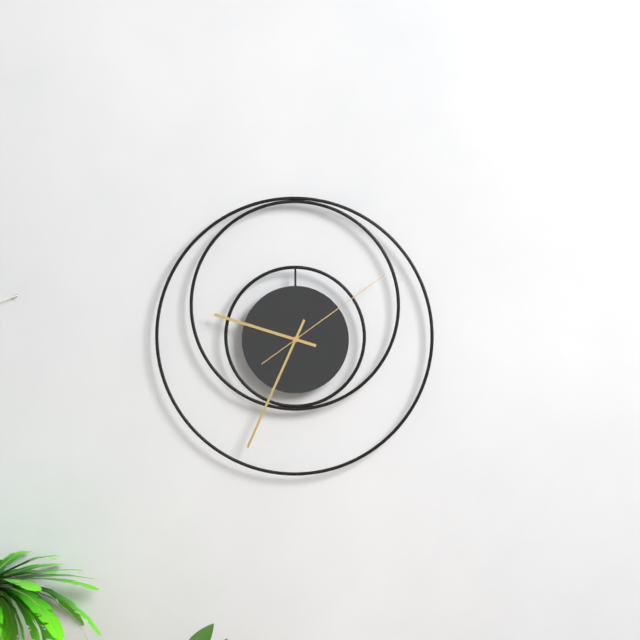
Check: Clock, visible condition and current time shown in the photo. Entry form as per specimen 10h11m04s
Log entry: 9h34m09s
